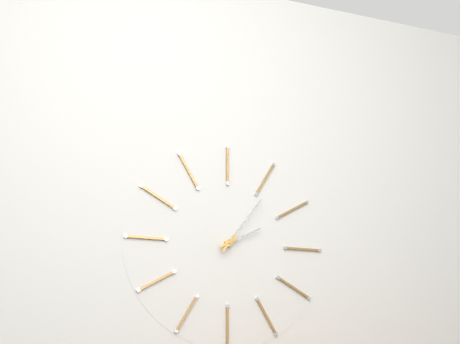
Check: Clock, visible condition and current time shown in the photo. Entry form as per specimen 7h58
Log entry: 2h06
